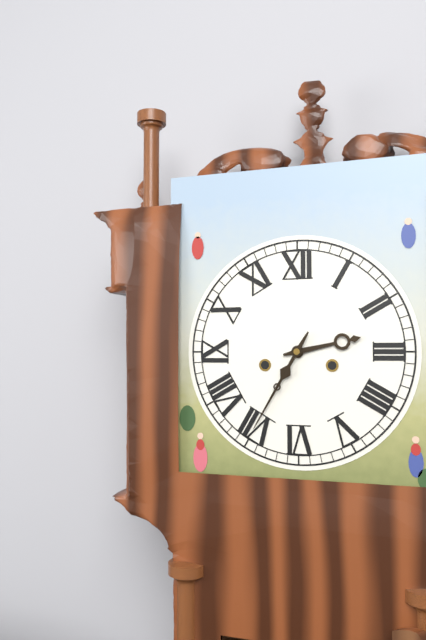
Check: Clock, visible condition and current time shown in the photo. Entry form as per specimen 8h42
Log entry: 2h35
